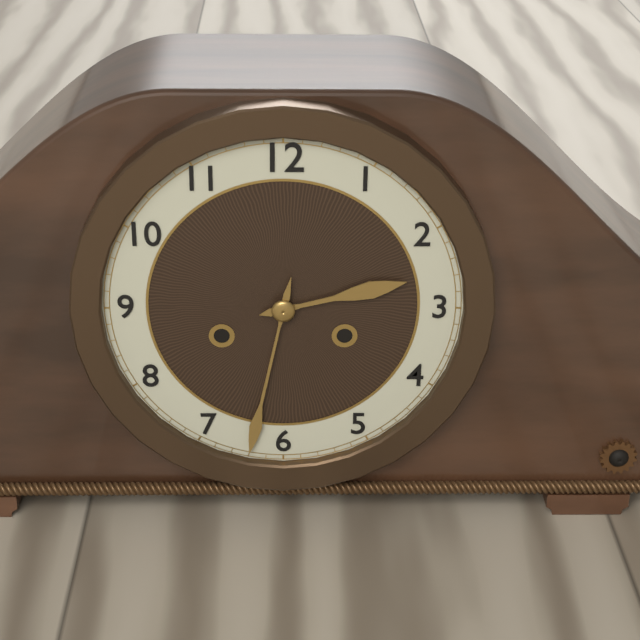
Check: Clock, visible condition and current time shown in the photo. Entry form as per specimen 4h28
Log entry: 2h32
